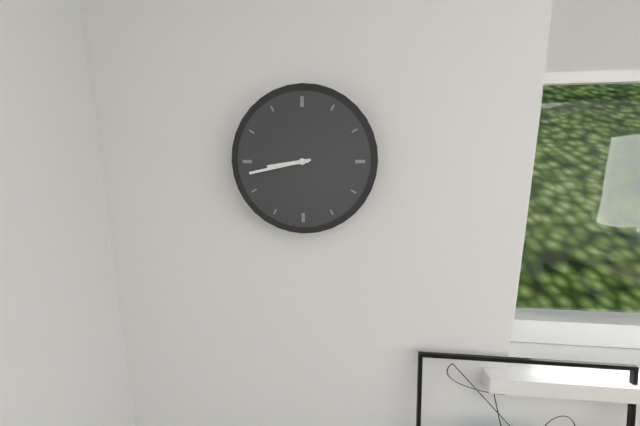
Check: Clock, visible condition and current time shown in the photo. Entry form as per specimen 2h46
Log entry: 8h43
